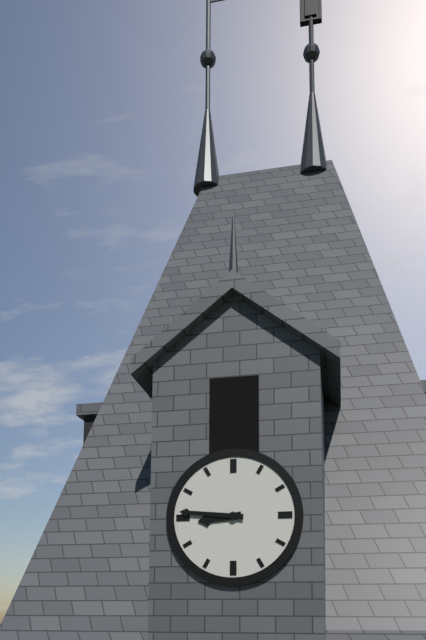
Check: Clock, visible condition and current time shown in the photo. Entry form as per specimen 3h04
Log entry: 8h46
